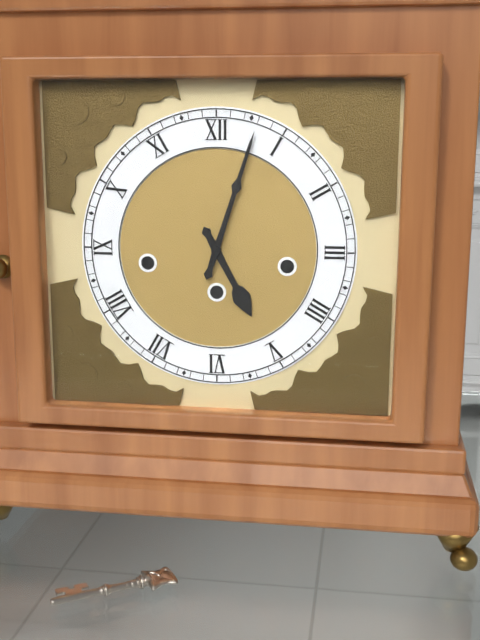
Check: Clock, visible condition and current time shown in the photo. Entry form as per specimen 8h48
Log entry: 5h03
